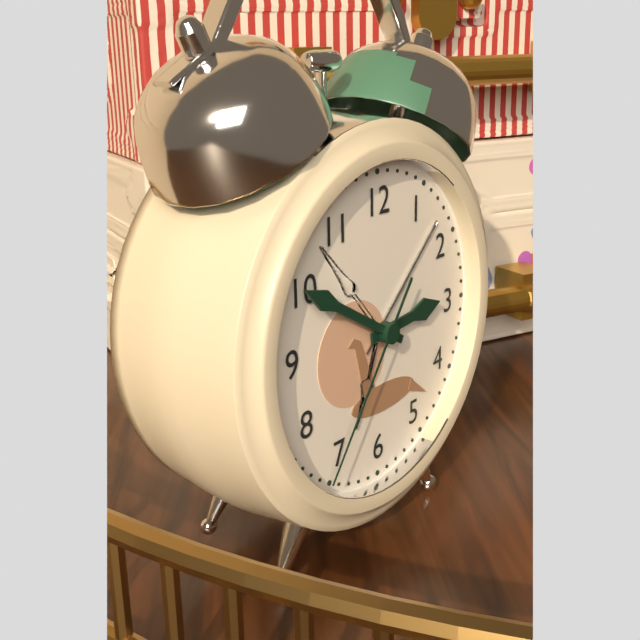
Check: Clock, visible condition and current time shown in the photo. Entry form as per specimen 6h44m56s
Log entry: 2h50m36s
